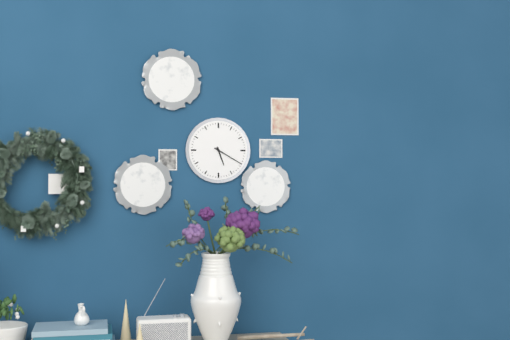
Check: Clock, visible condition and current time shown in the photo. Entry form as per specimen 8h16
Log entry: 5h20
